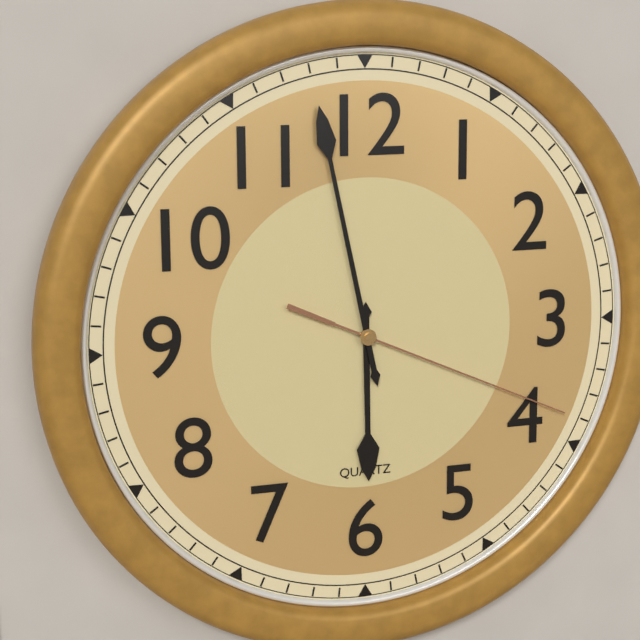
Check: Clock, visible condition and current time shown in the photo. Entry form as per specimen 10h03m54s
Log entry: 5h58m19s
